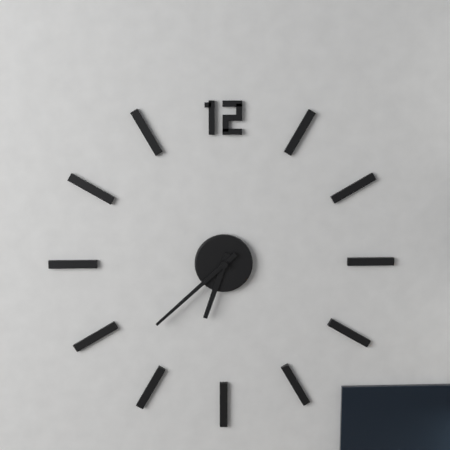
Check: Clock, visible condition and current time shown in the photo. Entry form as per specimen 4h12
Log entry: 6h38
